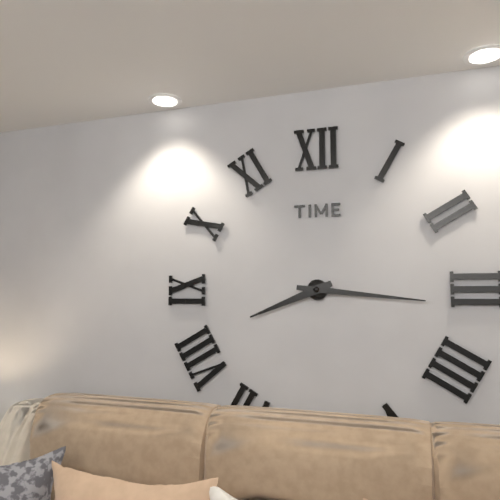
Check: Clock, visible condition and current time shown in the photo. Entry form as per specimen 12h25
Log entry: 8h16
